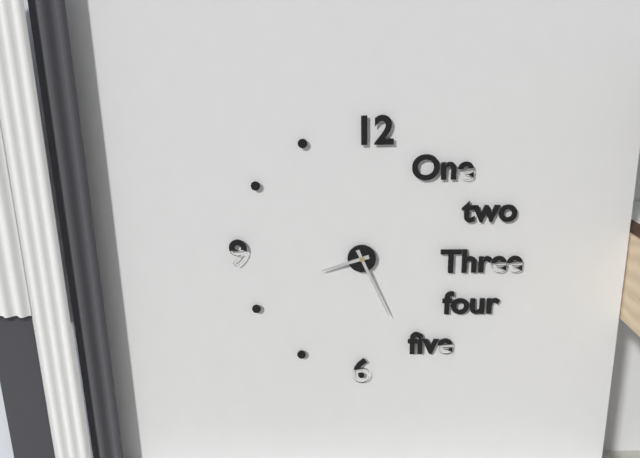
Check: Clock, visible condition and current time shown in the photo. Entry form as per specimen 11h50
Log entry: 8h26
